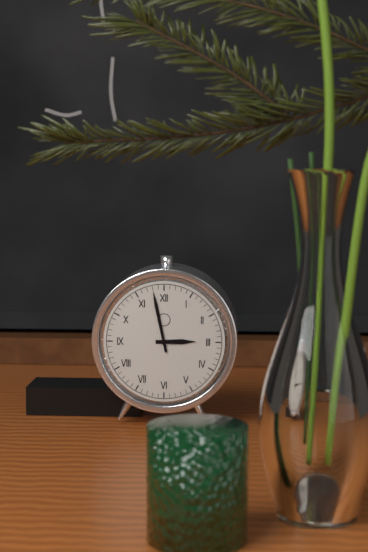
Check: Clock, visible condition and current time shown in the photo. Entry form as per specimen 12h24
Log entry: 2h58
